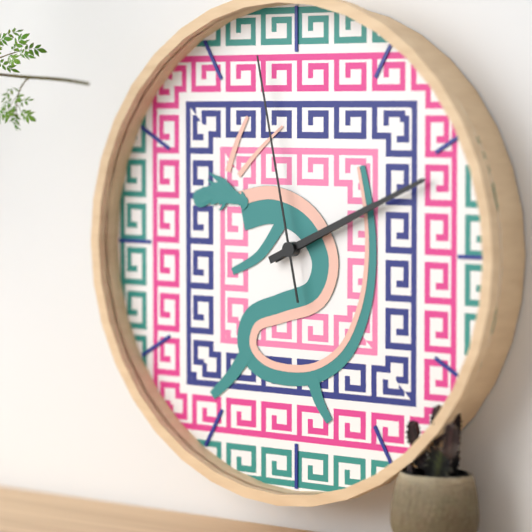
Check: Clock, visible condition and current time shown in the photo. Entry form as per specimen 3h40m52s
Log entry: 2h11m58s
